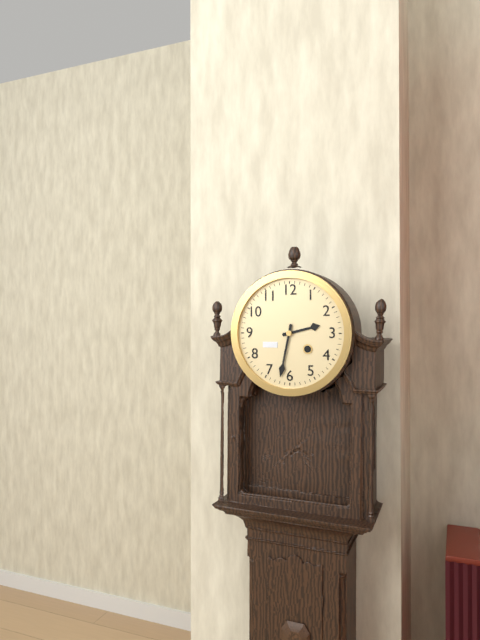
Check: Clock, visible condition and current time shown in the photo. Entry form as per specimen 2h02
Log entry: 2h32
